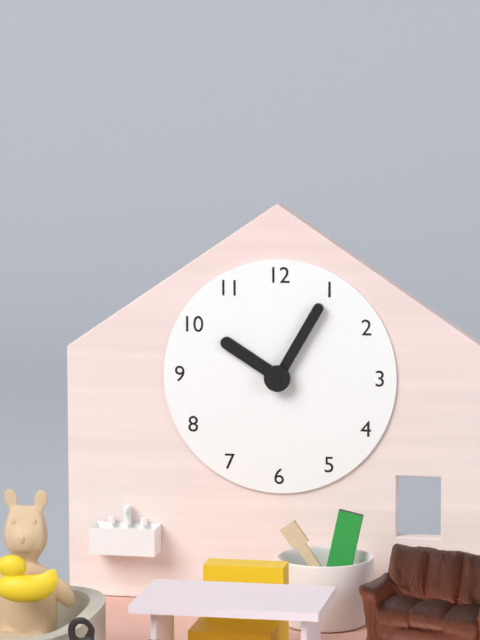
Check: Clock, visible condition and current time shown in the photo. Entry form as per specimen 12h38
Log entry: 10h05
